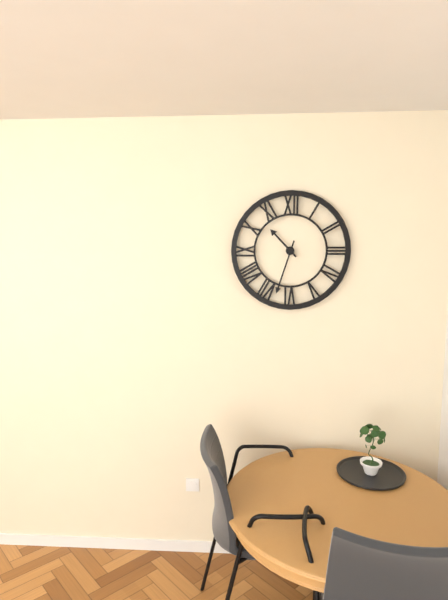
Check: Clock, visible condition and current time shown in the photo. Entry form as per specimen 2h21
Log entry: 10h33
